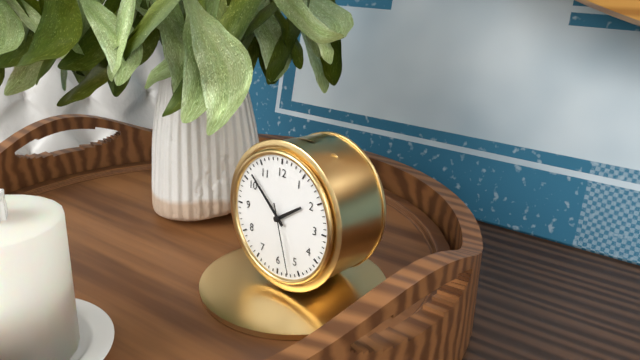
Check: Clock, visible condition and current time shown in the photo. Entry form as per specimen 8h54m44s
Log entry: 1h52m27s
